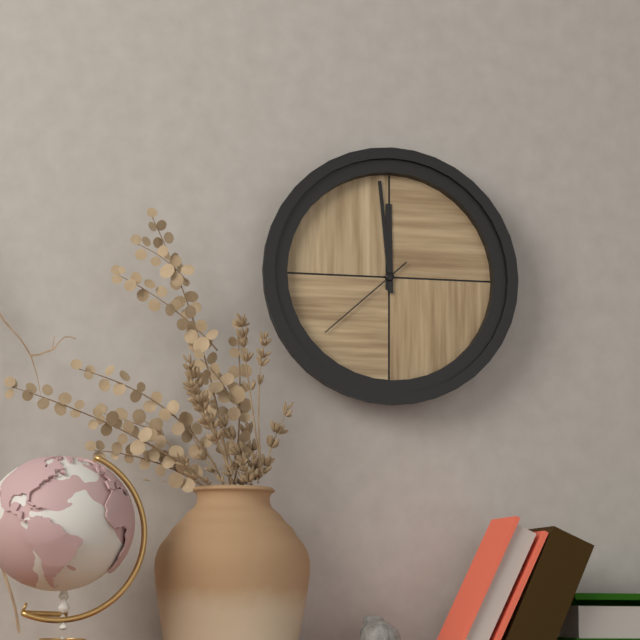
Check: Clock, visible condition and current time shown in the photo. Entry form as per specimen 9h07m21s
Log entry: 11h59m38s
